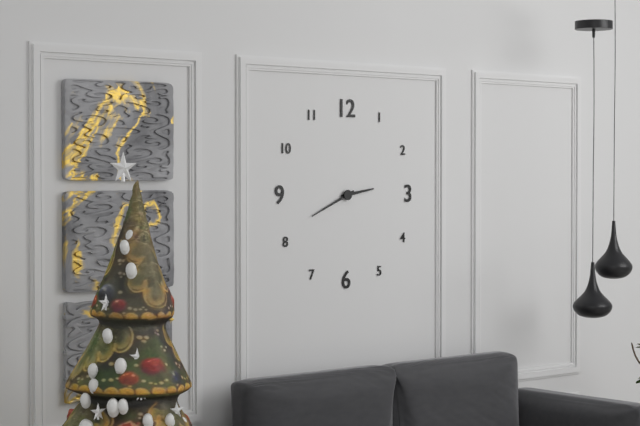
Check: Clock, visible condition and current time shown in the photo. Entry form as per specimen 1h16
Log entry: 2h41
